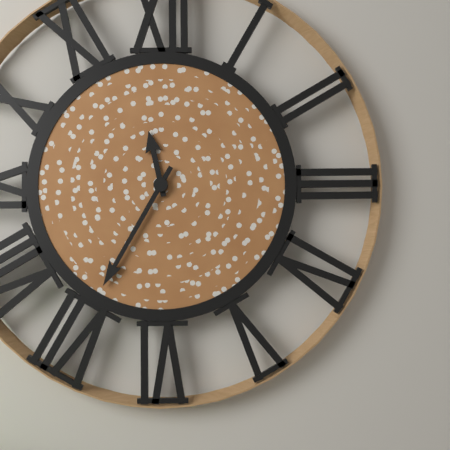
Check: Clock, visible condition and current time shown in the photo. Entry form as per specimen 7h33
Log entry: 11h35
